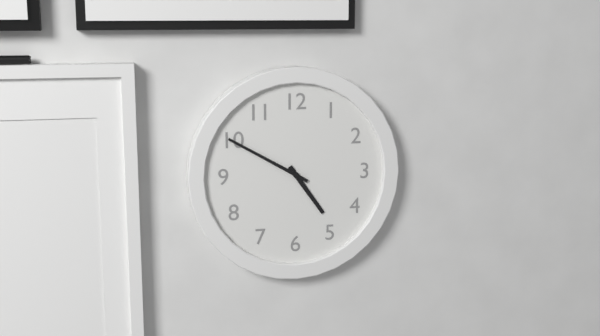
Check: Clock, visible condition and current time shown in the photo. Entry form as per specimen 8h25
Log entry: 4h50
